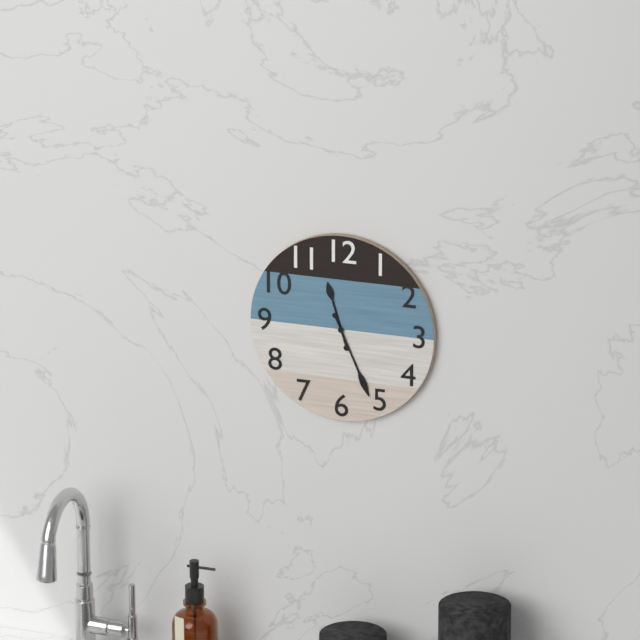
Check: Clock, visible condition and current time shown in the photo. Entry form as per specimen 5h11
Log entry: 11h26
